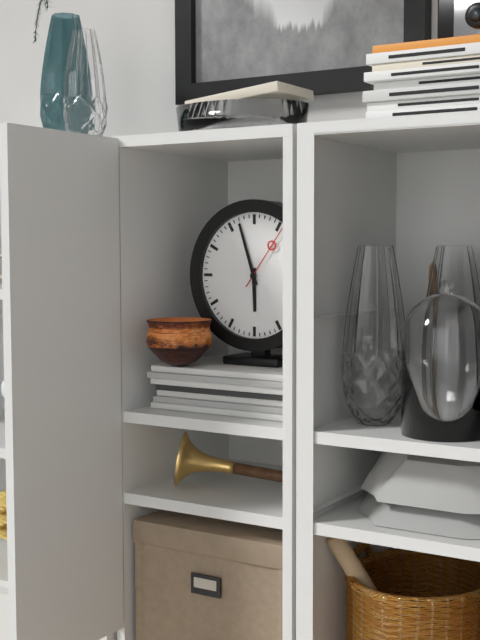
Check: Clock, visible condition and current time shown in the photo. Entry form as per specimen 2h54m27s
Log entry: 5h57m06s
